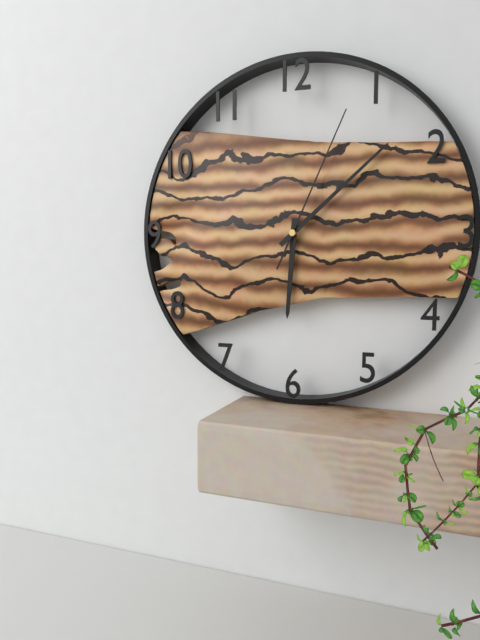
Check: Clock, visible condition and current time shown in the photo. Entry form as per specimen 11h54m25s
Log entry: 6h08m04s
